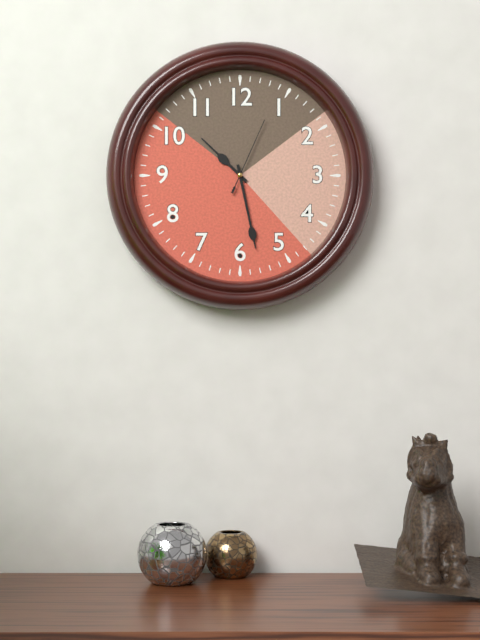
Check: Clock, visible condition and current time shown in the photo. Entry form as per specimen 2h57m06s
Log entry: 10h28m04s
